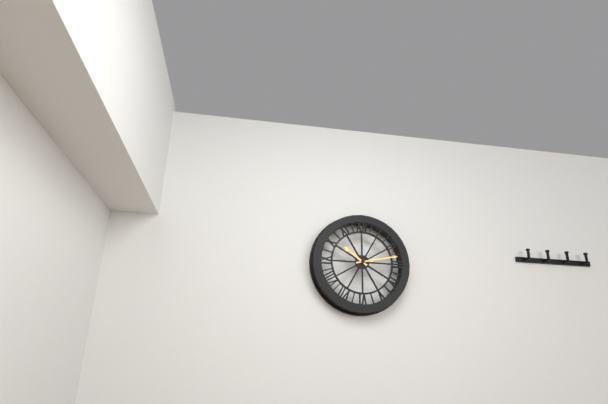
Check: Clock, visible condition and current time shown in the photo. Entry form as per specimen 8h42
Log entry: 10h13
